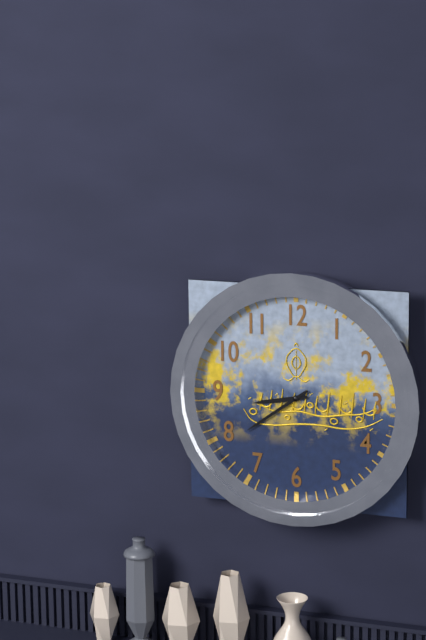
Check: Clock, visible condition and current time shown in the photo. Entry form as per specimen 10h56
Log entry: 8h39
